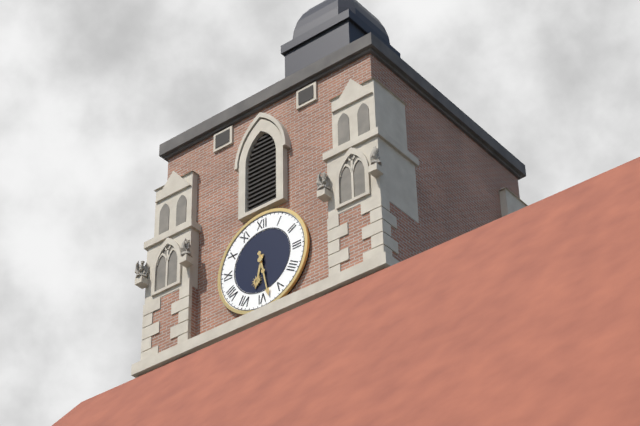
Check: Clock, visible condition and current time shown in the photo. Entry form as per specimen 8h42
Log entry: 6h28
